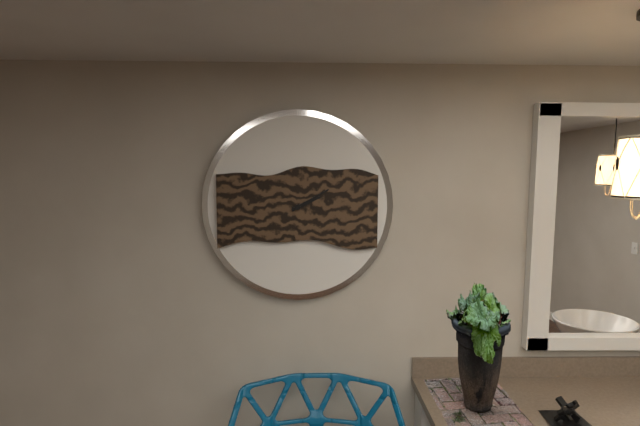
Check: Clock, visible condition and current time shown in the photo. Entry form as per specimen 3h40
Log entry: 2h10
